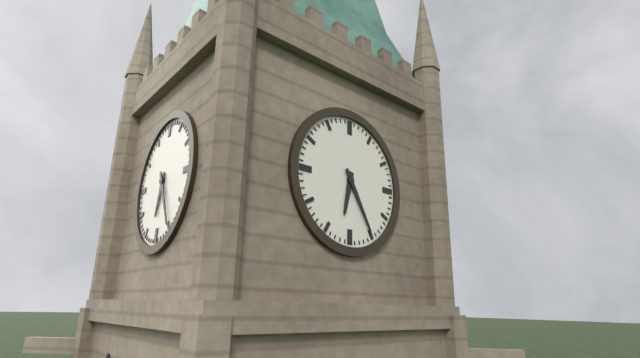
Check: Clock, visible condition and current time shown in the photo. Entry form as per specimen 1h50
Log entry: 6h25
